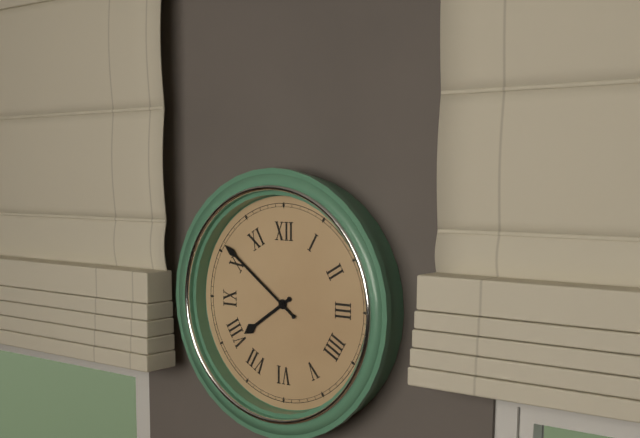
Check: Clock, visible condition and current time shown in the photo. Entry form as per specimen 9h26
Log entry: 7h51
